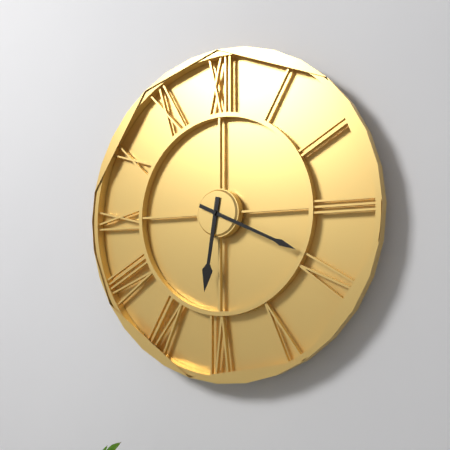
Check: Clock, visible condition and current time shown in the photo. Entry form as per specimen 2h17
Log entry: 6h19
